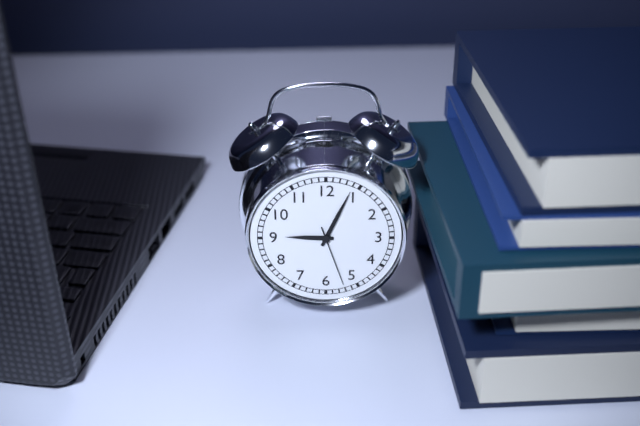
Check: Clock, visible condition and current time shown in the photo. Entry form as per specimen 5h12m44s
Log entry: 9h04m27s
